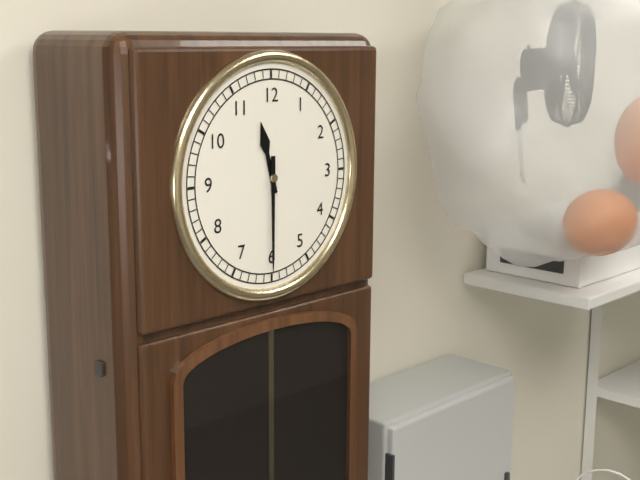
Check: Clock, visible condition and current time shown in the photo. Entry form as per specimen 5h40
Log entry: 11h30
